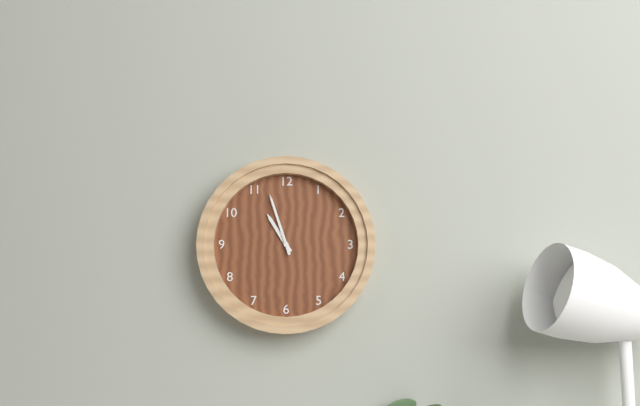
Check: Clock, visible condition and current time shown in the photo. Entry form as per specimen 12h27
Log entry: 10h57
